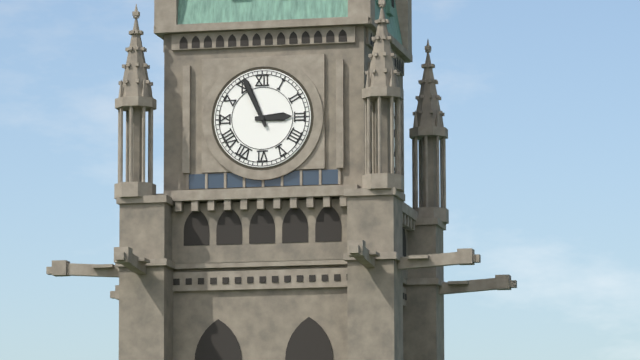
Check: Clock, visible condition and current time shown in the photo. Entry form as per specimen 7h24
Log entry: 2h56
